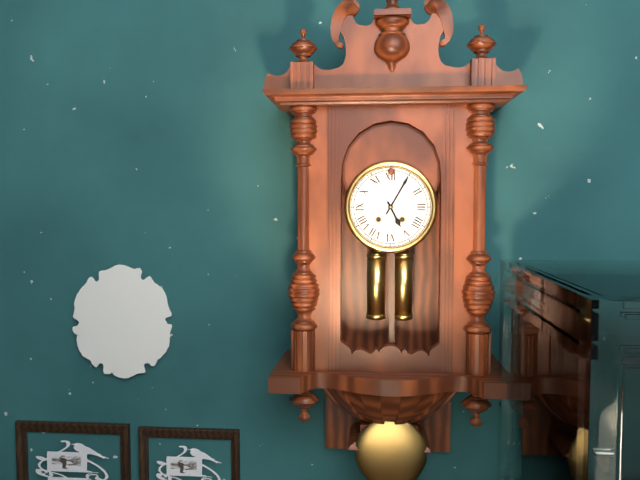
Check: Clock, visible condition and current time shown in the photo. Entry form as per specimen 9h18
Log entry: 5h05
